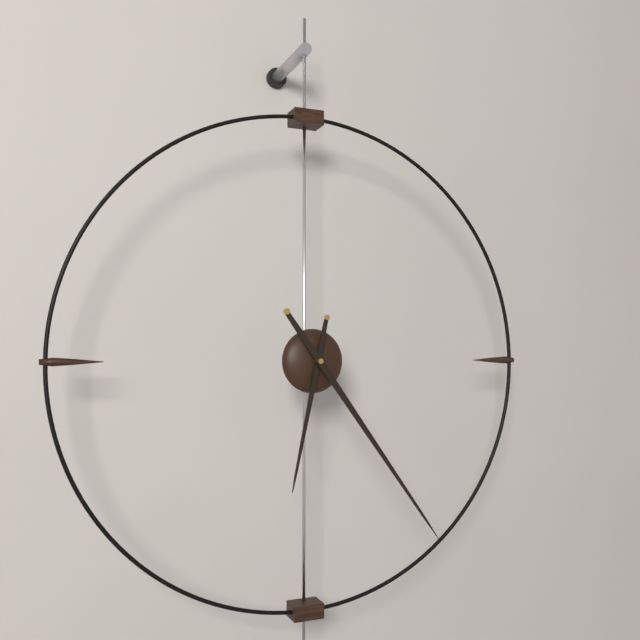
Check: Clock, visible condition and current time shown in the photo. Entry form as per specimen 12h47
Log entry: 6h24
